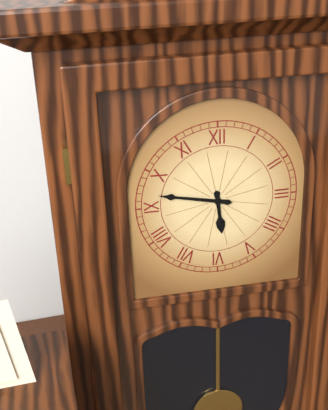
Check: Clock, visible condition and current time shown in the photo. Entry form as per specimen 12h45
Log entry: 5h47
